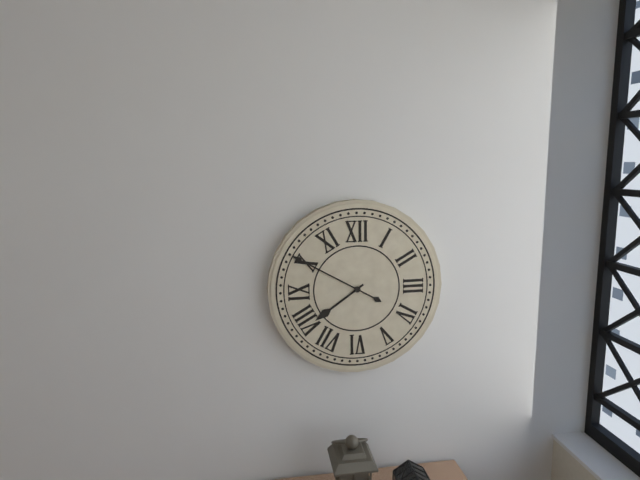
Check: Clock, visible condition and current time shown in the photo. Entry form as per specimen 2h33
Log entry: 7h50
